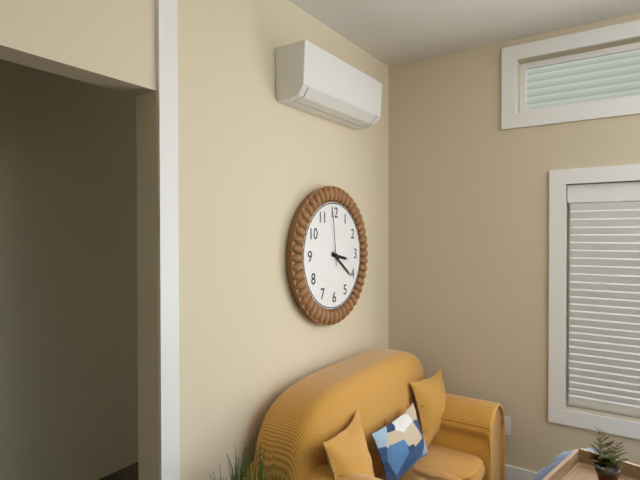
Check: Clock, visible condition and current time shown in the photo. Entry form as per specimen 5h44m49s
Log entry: 3h21m59s
